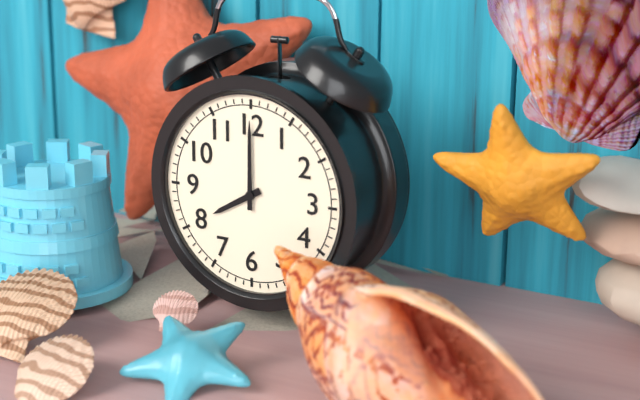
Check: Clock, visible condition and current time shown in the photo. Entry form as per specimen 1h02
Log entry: 8h00
